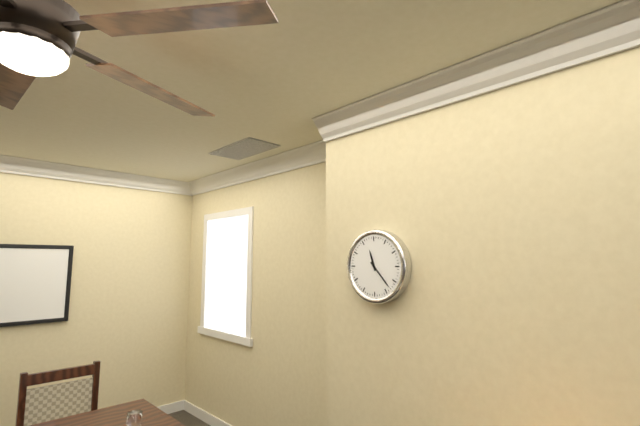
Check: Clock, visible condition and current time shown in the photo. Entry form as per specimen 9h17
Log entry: 11h23
